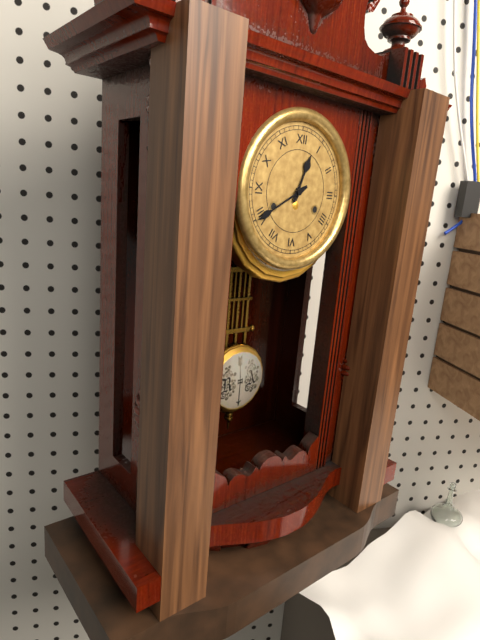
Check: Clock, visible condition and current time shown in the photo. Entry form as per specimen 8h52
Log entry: 12h40
